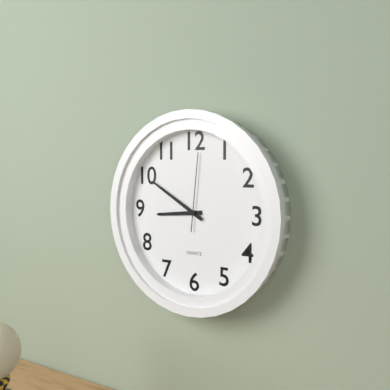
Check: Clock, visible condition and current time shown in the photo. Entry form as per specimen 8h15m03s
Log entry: 8h50m01s
